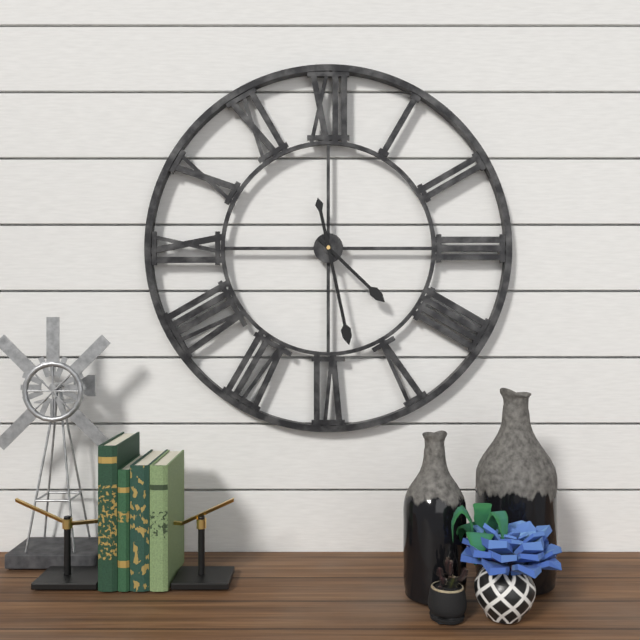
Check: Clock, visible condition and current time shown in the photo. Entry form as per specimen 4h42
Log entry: 4h28
